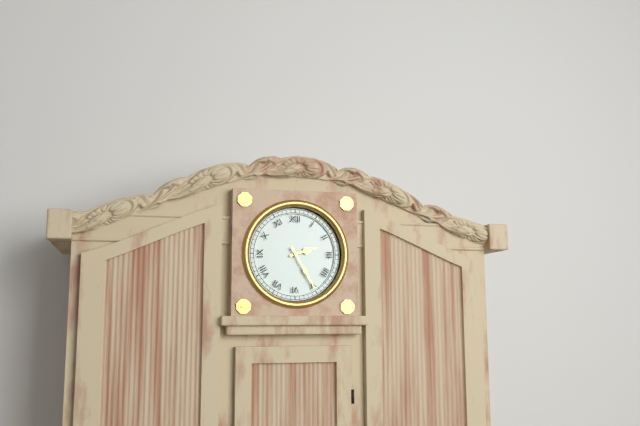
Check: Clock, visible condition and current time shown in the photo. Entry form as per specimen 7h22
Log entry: 2h25
